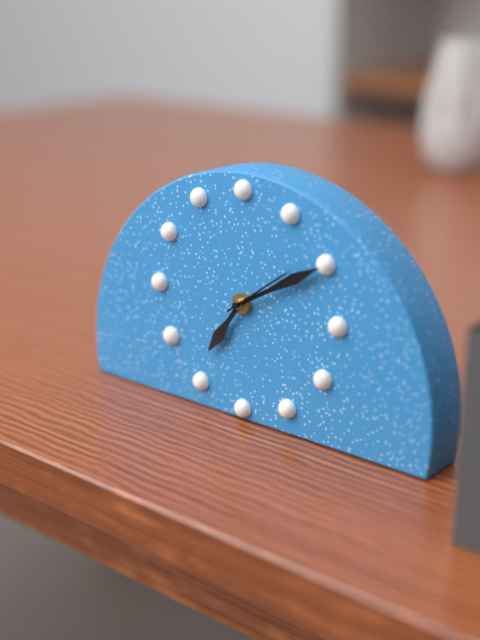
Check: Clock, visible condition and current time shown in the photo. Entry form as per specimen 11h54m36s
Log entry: 7h10m09s
